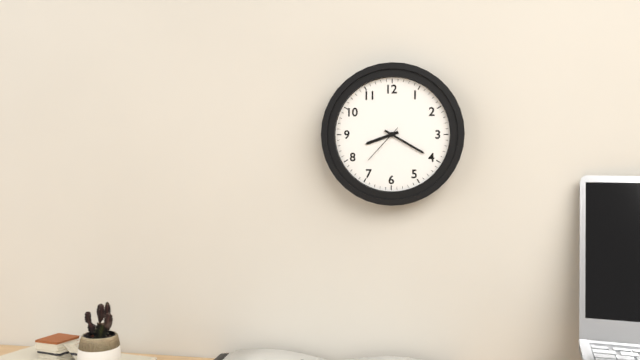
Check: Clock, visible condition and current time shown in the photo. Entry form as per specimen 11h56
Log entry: 8h20
